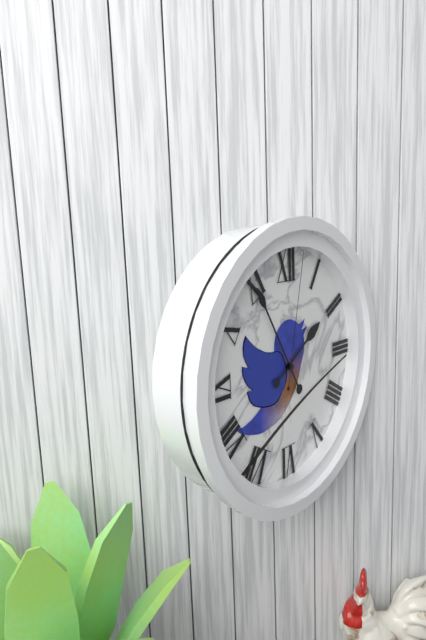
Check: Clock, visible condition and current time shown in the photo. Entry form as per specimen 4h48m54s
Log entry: 1h55m02s
